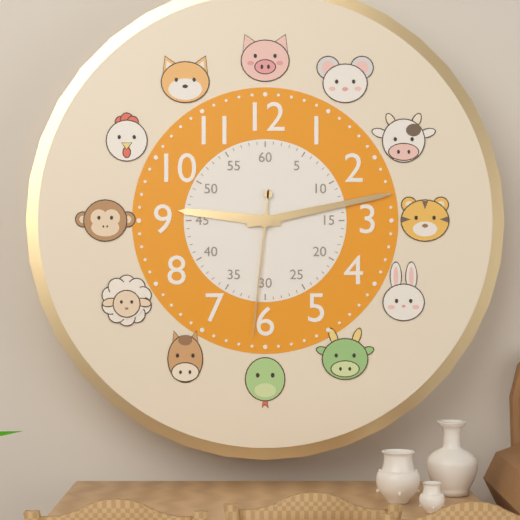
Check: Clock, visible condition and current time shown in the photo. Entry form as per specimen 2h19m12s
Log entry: 9h13m31s
